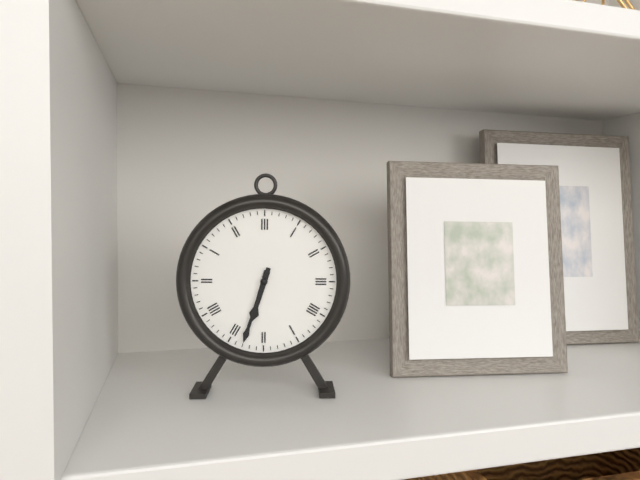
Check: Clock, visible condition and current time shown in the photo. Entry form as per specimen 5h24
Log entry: 6h33
